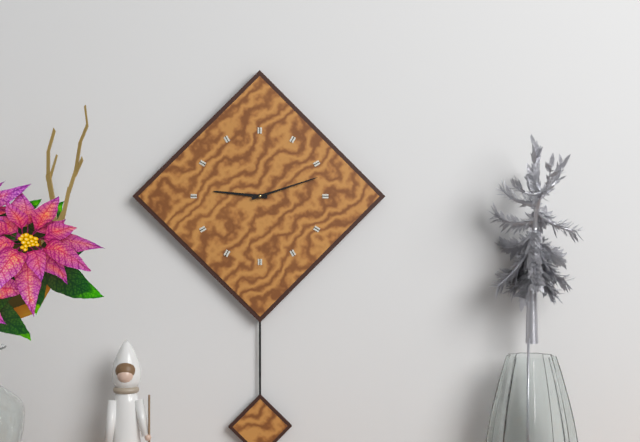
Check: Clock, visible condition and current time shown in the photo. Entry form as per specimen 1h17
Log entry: 9h12
